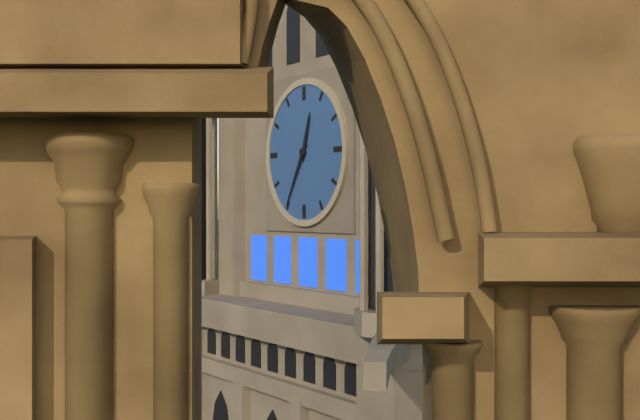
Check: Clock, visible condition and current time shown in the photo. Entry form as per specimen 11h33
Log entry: 12h35
